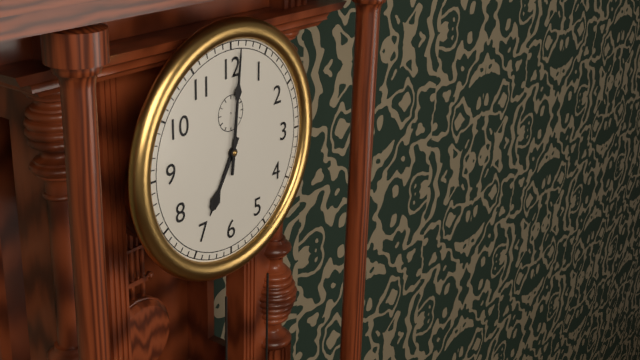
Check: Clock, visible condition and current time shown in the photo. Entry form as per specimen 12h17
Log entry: 7h01
